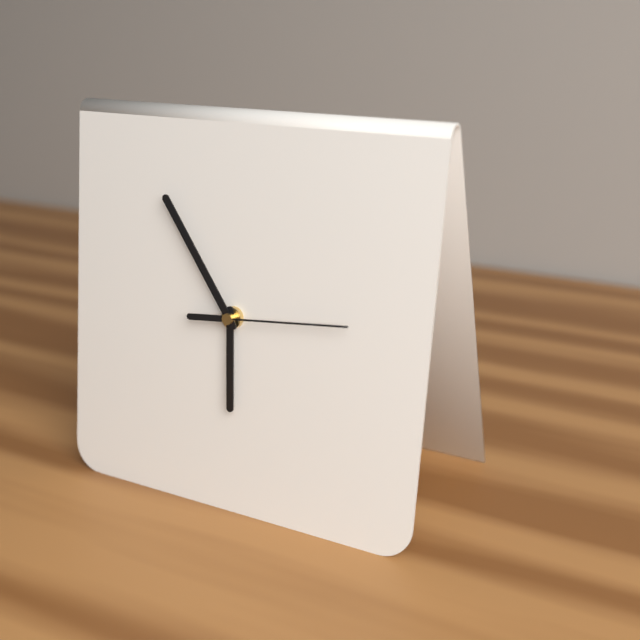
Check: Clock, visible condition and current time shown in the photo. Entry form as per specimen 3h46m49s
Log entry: 5h54m14s
